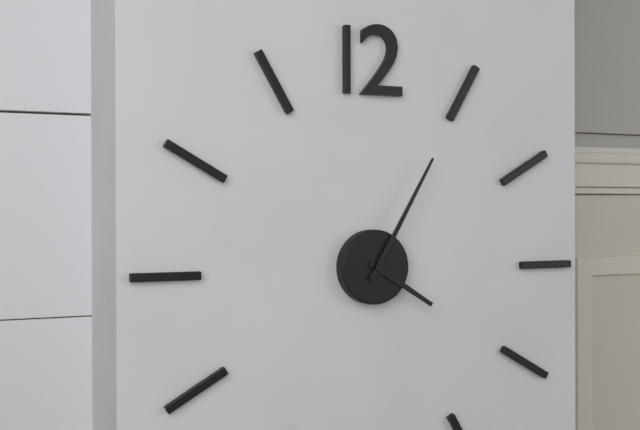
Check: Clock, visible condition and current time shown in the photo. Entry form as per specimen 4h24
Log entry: 4h05
